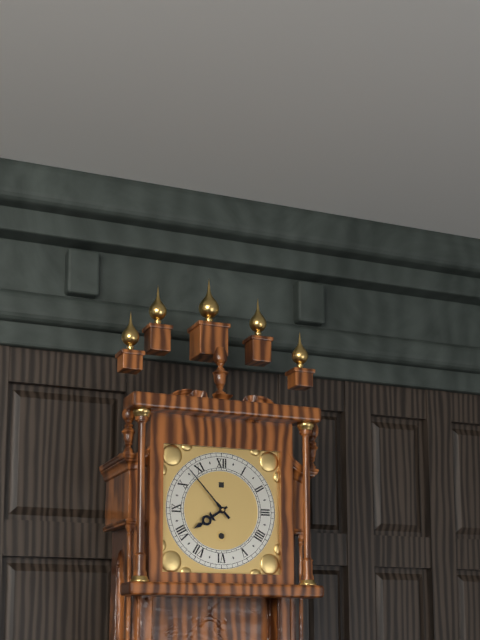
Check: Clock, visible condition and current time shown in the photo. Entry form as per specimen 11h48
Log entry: 7h53
